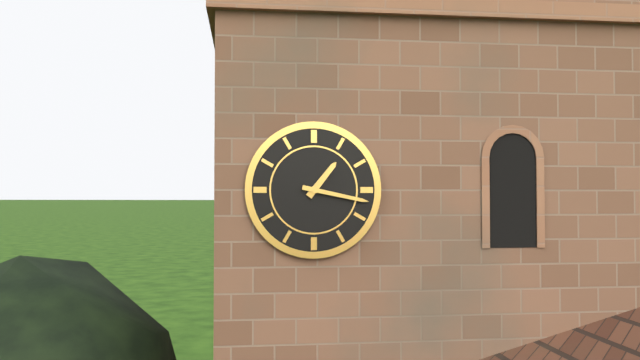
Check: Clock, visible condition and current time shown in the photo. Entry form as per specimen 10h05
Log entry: 1h17
